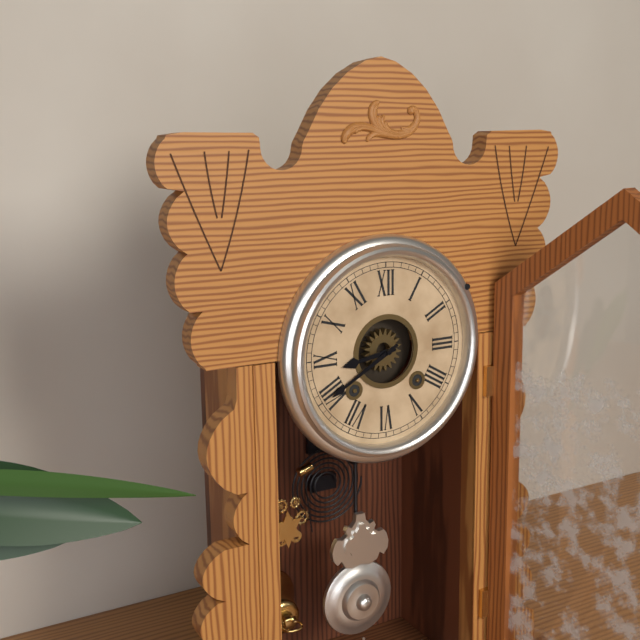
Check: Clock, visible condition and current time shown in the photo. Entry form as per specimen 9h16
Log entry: 8h40
